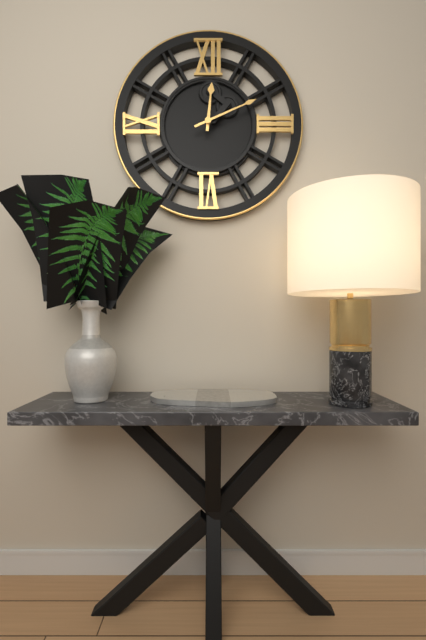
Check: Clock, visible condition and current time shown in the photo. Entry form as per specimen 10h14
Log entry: 12h11
